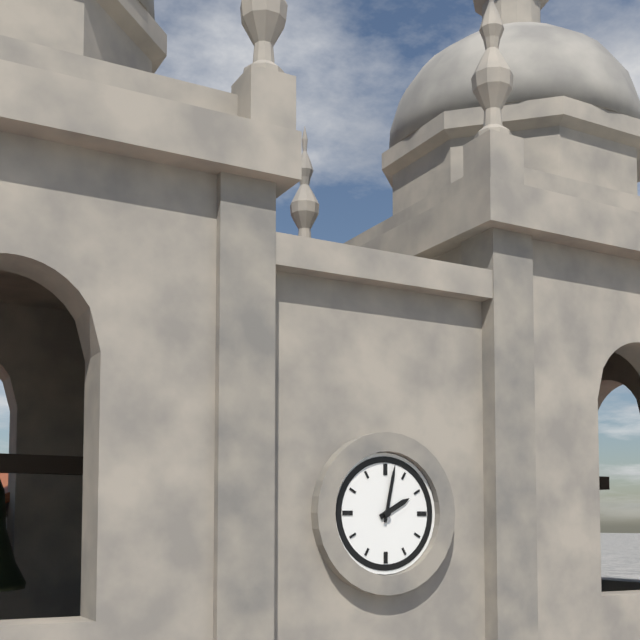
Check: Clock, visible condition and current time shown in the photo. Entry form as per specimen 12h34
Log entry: 2h02
